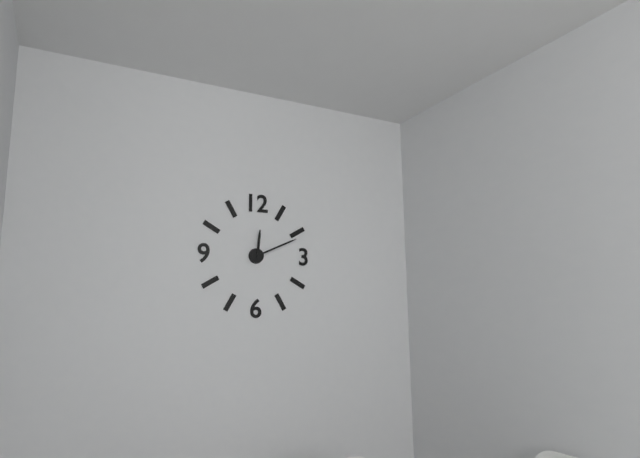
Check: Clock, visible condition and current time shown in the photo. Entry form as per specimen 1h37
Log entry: 12h11
